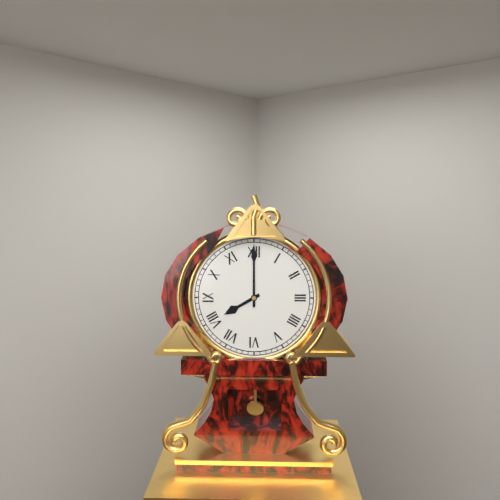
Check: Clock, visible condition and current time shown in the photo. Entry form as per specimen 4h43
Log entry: 8h00
